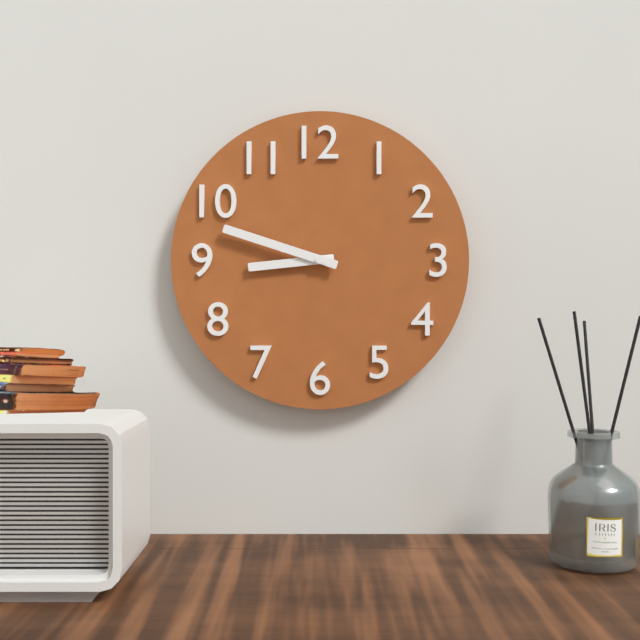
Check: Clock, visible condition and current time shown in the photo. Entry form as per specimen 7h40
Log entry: 8h48
